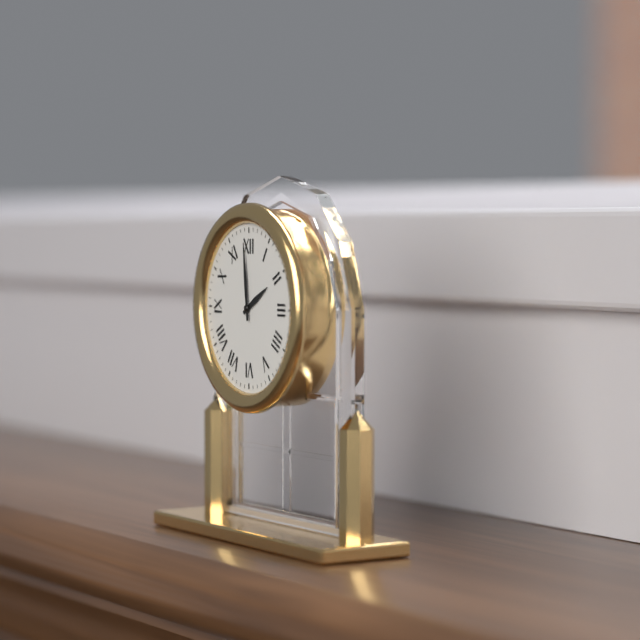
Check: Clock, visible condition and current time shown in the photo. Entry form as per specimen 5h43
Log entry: 1h59
